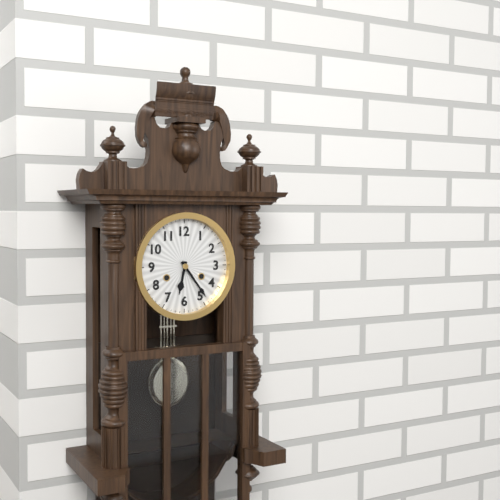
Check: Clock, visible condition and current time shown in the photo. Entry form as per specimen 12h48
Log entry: 6h24
